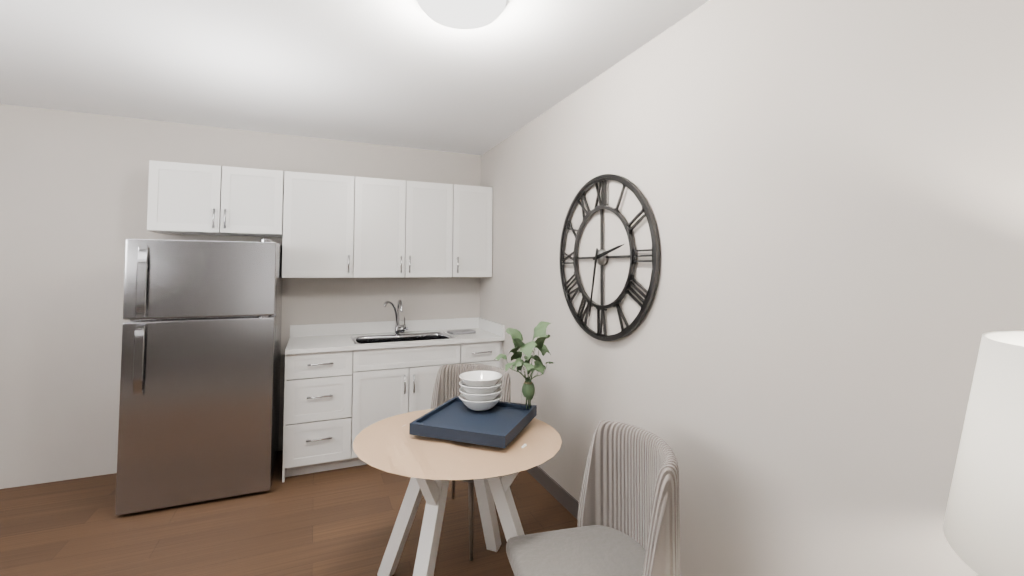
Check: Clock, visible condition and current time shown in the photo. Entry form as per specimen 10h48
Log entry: 2h32
